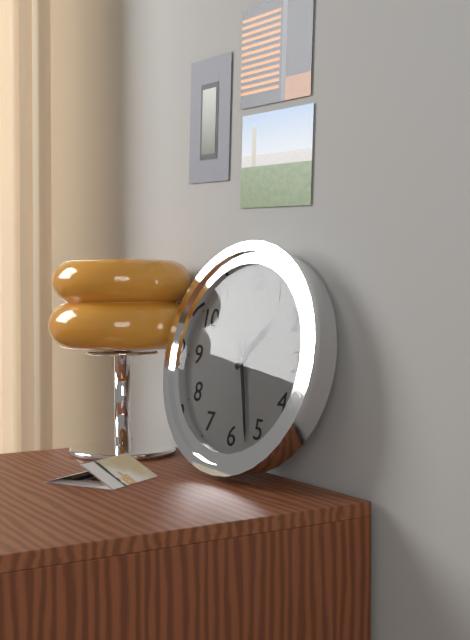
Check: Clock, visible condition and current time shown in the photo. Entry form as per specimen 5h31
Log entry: 1h27
